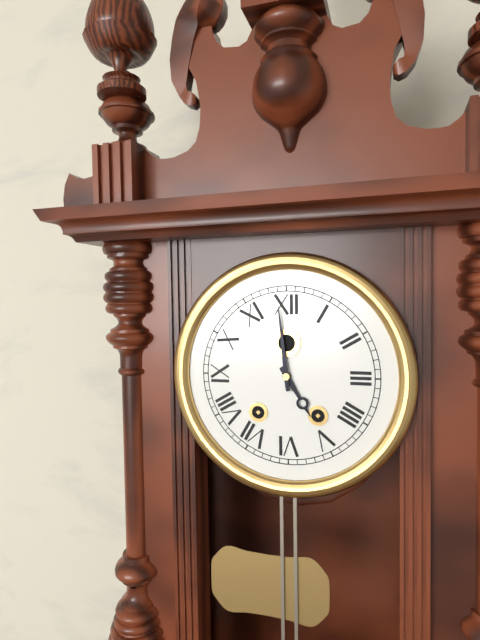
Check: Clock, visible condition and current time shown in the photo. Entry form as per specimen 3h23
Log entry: 4h59
